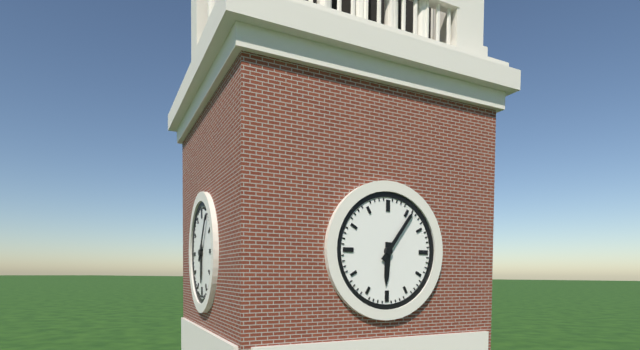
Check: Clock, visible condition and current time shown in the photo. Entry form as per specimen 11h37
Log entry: 6h06
